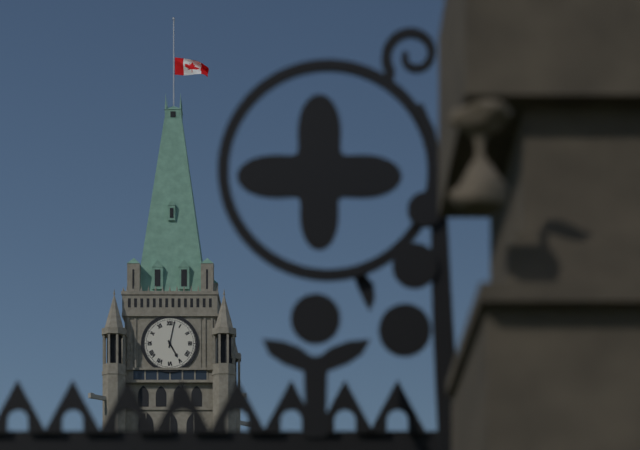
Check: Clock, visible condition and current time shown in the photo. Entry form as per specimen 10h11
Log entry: 5h02
